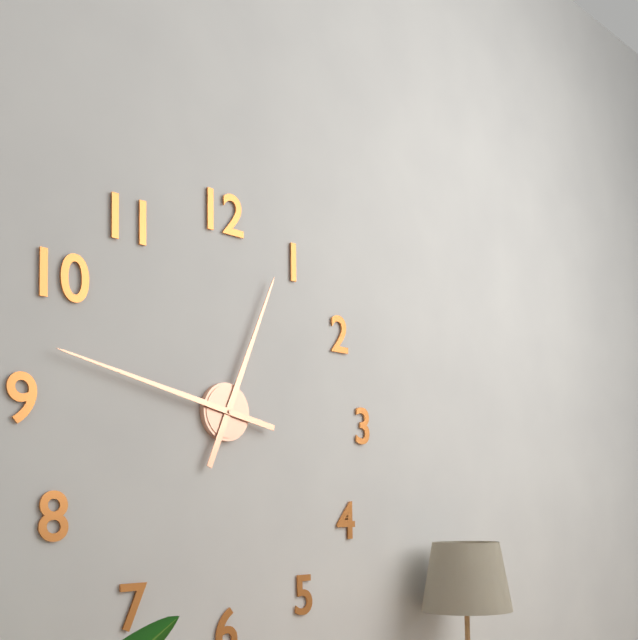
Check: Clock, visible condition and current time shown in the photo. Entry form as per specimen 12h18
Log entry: 12h47
